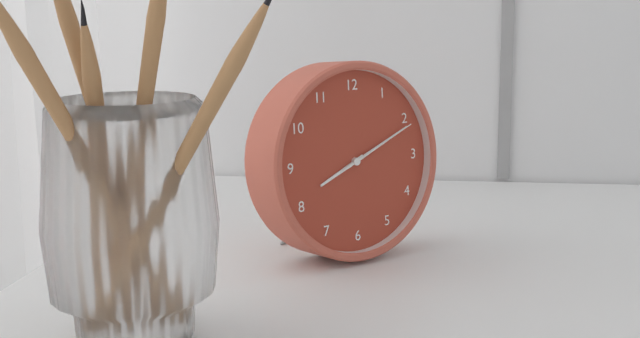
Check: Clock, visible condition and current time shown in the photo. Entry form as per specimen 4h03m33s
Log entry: 8h11m11s
